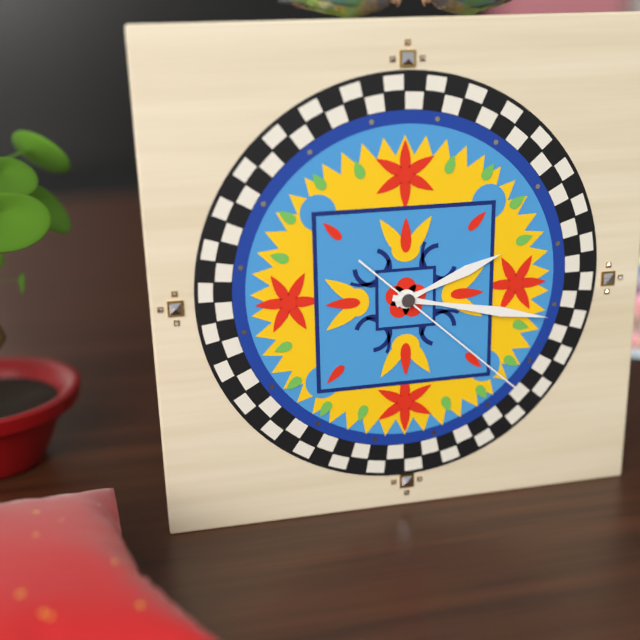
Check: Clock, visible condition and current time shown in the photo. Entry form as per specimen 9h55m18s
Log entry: 2h17m22s
